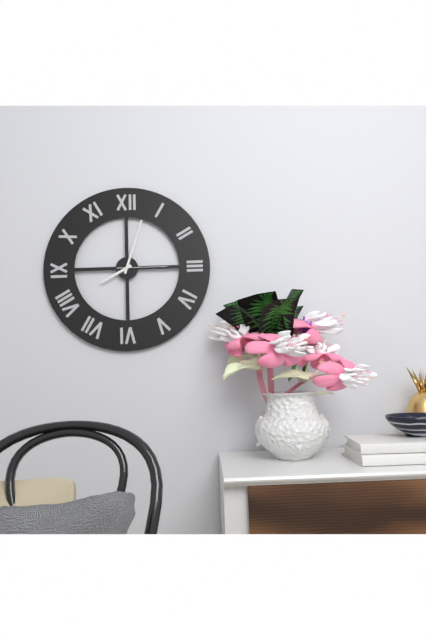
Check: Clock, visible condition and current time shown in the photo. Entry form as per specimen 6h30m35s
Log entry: 8h03m15s
